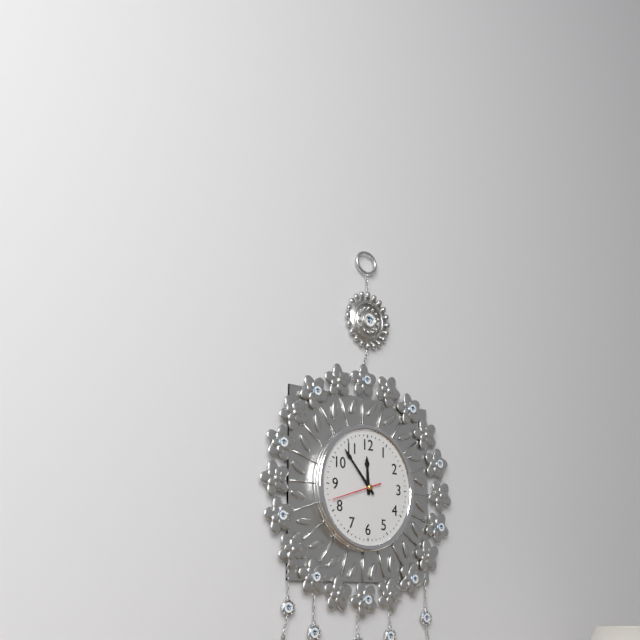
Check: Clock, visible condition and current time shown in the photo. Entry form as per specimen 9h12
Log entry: 11h53
